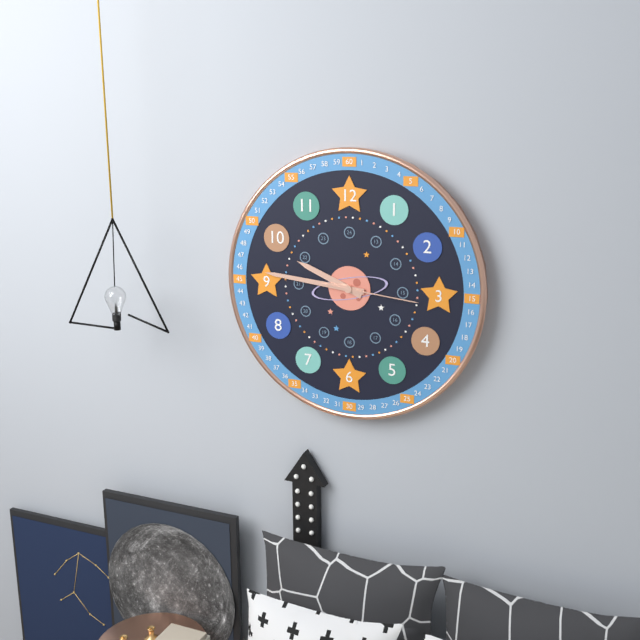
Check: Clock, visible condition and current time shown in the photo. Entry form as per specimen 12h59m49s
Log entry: 9h46m16s
